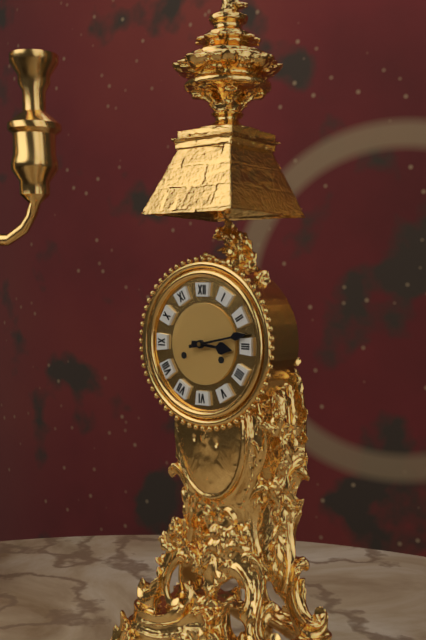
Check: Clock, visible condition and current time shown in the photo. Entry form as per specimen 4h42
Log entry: 3h13
